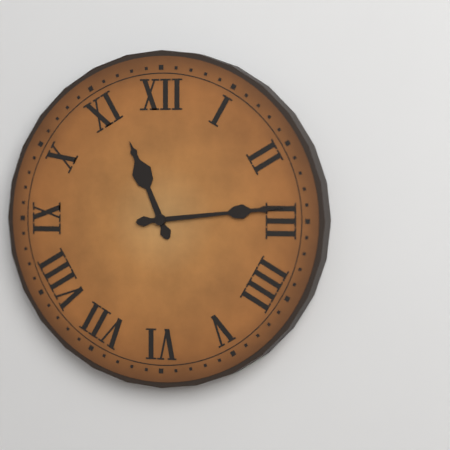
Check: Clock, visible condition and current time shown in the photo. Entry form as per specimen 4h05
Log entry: 11h14
